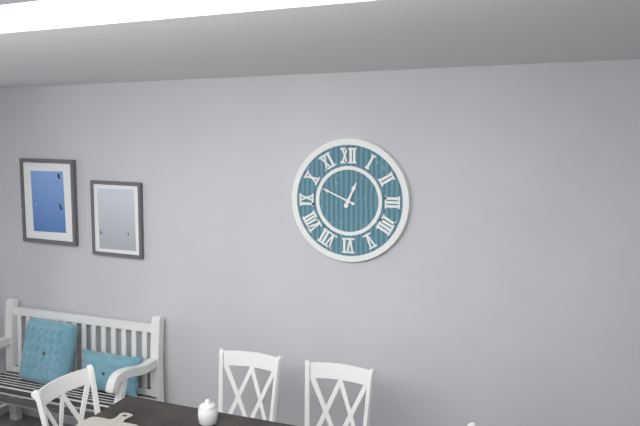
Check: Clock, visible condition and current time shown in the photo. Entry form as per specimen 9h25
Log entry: 12h49
